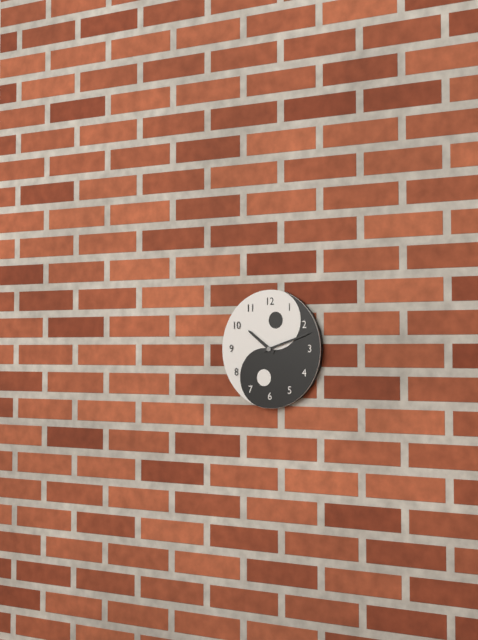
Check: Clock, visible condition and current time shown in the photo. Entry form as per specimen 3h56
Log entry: 10h12
